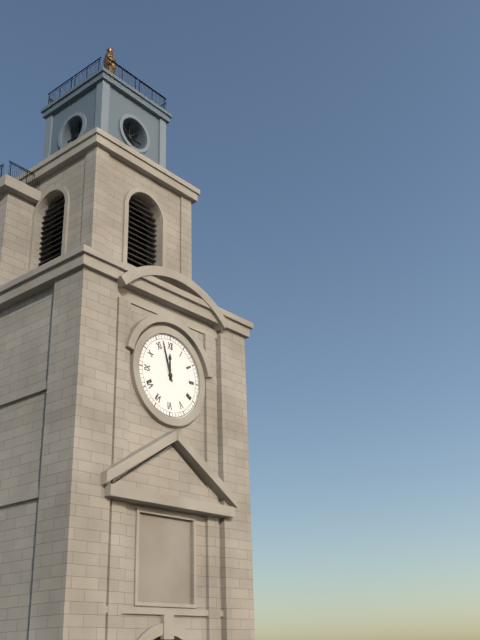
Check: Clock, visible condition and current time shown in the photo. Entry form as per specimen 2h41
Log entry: 11h57
